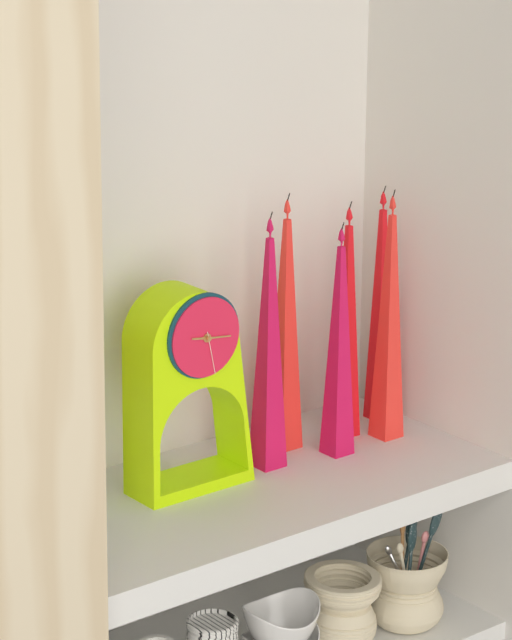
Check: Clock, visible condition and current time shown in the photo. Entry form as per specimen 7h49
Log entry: 9h16
